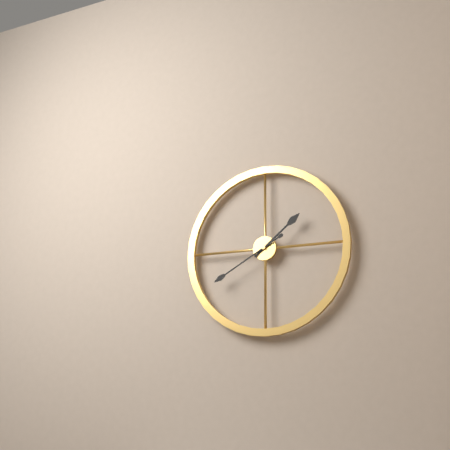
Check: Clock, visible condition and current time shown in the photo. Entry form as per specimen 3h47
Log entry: 1h40
